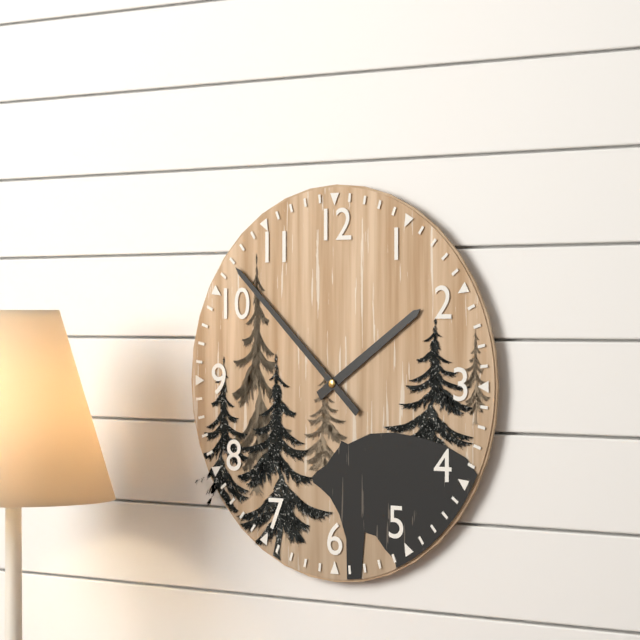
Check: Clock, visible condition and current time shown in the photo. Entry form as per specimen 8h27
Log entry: 1h52
